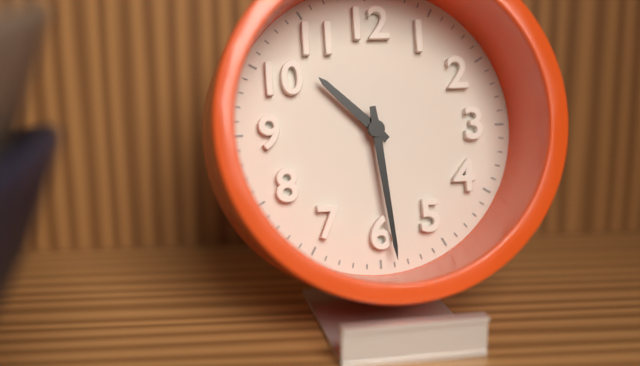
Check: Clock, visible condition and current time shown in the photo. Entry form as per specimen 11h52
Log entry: 10h29
